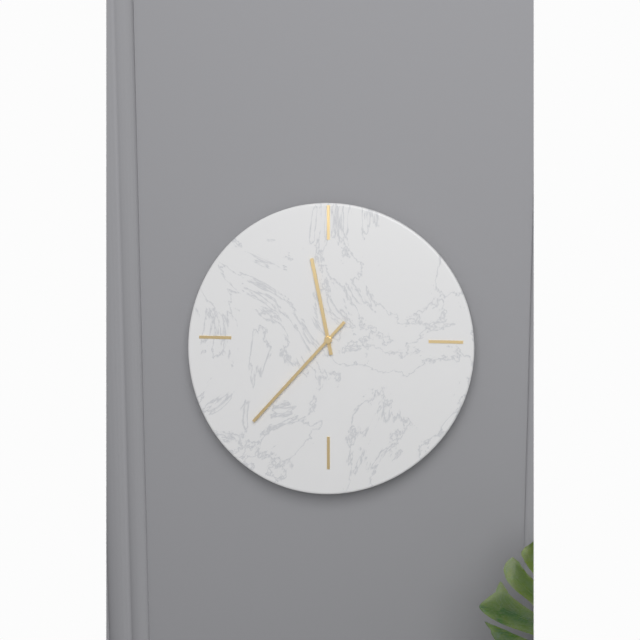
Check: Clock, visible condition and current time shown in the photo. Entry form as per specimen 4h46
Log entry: 11h37
